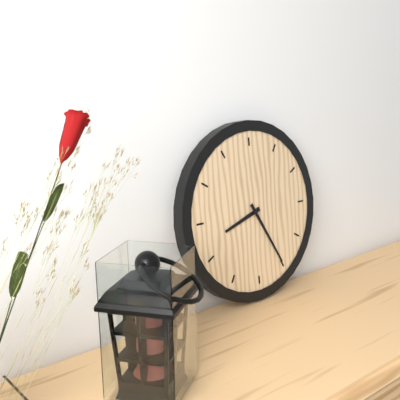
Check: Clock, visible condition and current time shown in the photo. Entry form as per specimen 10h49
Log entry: 8h25
